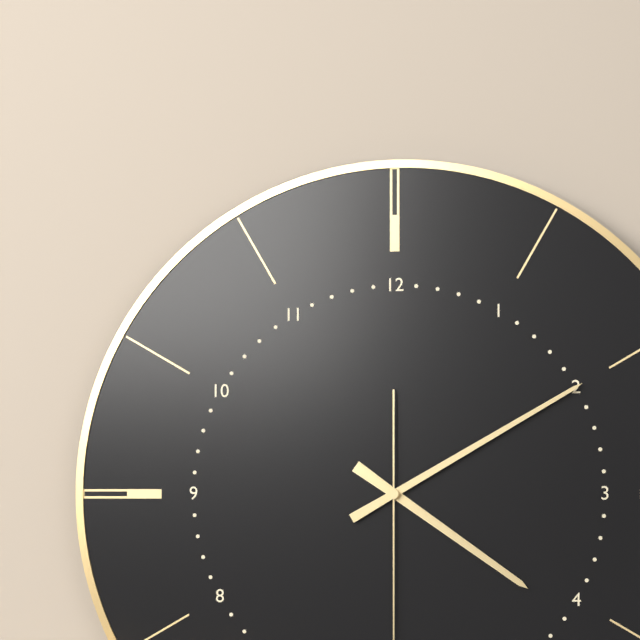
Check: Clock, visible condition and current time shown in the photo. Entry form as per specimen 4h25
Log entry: 4h10
